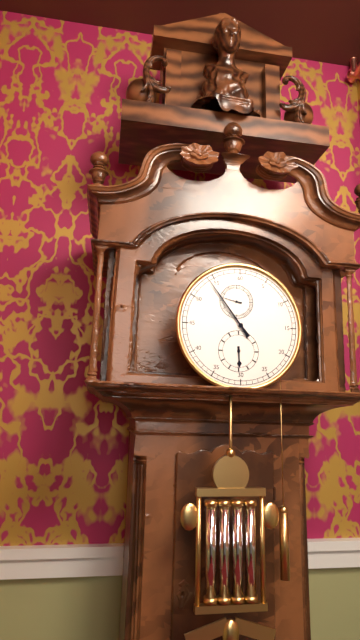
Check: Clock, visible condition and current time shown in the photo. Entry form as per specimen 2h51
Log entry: 5h54
